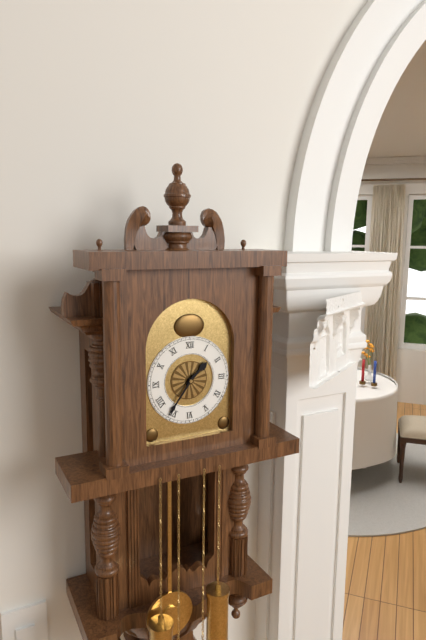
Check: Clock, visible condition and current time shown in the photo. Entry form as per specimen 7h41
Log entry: 1h36
